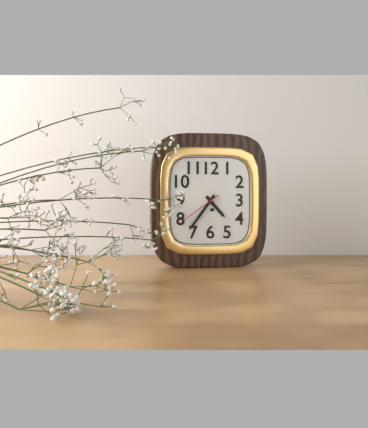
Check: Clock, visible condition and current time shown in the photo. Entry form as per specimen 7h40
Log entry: 4h36
